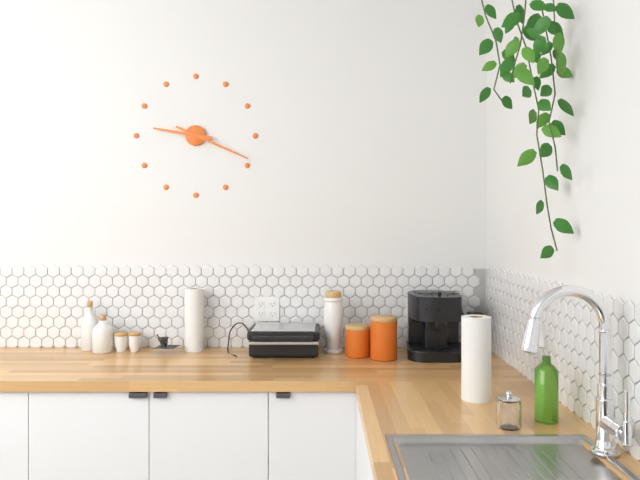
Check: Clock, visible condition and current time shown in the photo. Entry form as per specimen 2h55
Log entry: 9h19
